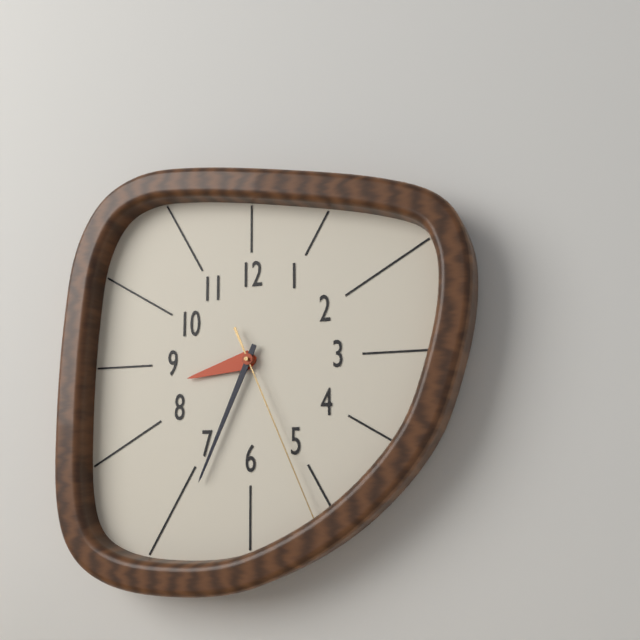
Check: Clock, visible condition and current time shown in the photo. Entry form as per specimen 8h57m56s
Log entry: 8h34m26s
